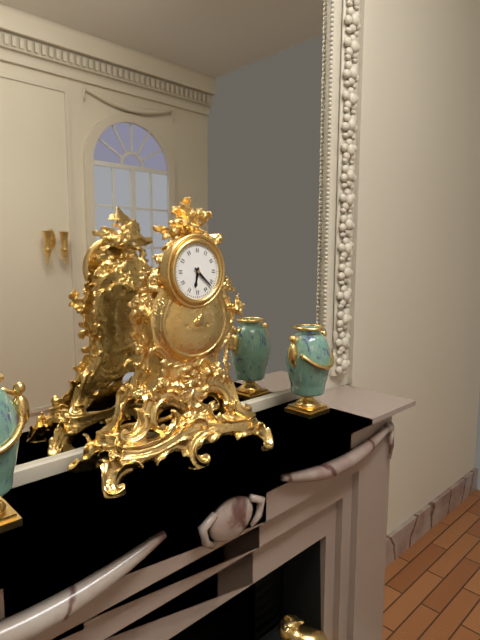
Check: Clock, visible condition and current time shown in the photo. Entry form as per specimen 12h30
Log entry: 6h22
